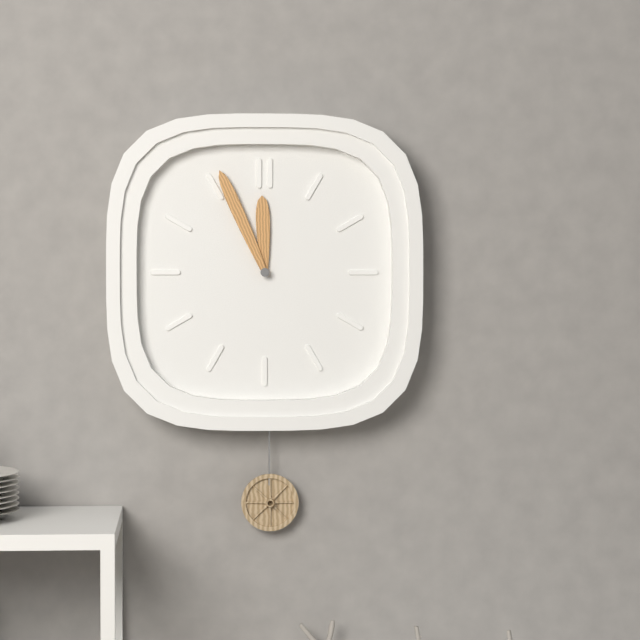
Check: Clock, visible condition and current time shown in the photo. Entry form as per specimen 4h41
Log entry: 11h56
